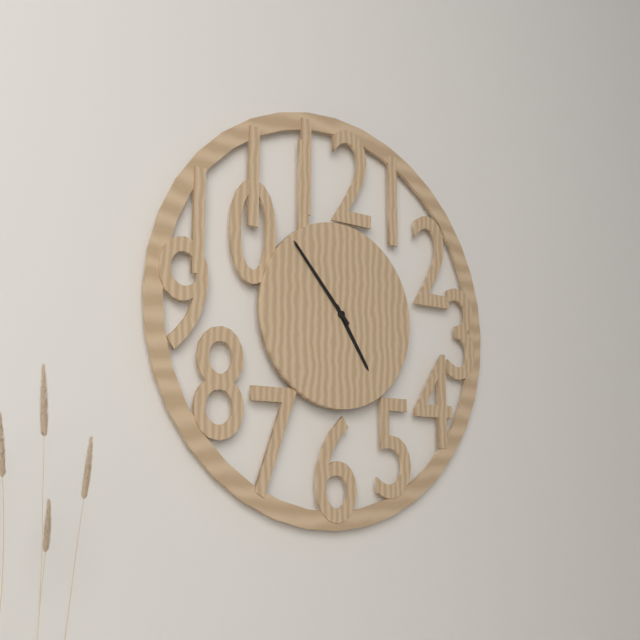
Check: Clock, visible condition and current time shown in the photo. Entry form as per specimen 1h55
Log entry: 4h53
